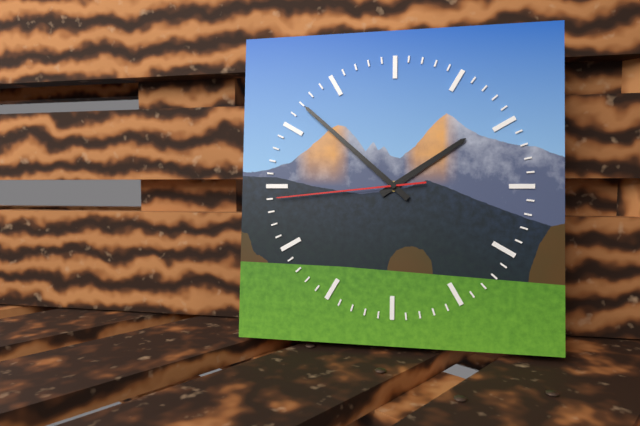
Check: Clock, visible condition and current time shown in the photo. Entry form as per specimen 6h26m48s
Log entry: 1h52m44s
